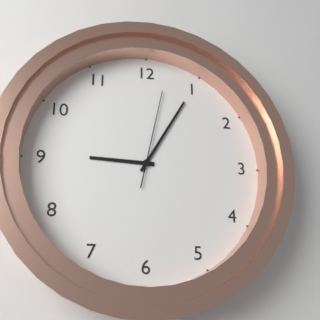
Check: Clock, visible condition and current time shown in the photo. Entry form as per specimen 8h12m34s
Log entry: 9h05m02s
